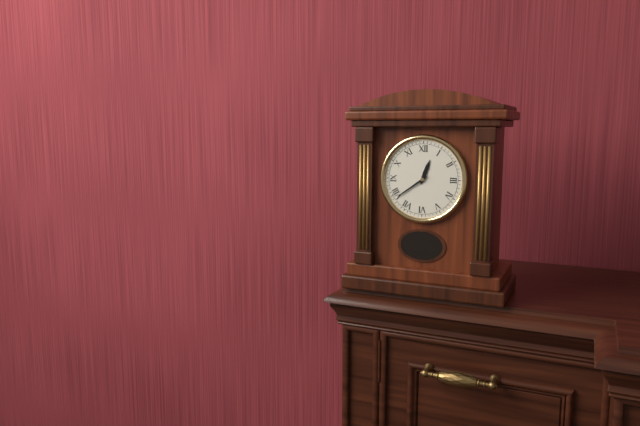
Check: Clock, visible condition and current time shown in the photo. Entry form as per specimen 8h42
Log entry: 12h39
